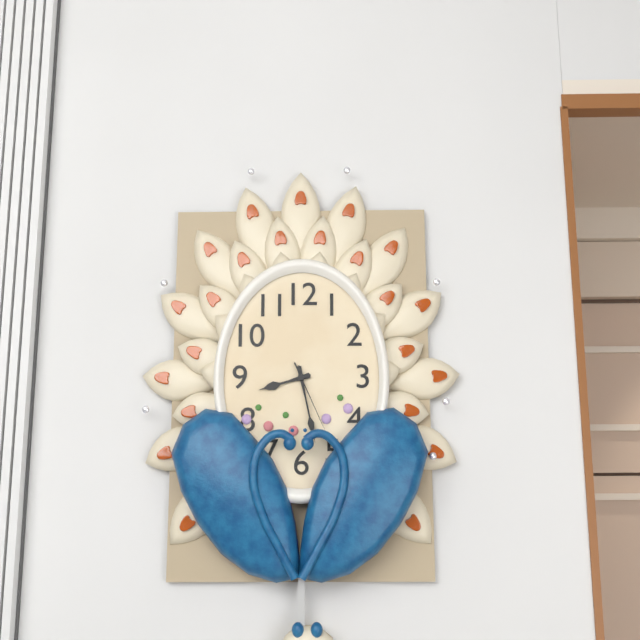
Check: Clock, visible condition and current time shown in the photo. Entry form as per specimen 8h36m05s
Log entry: 8h28m26s
